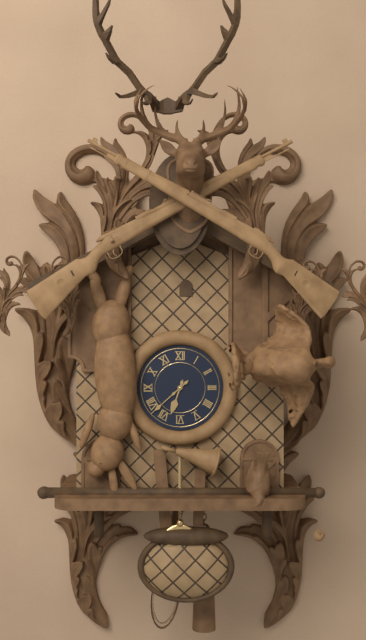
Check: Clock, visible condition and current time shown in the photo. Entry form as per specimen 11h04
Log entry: 6h38
